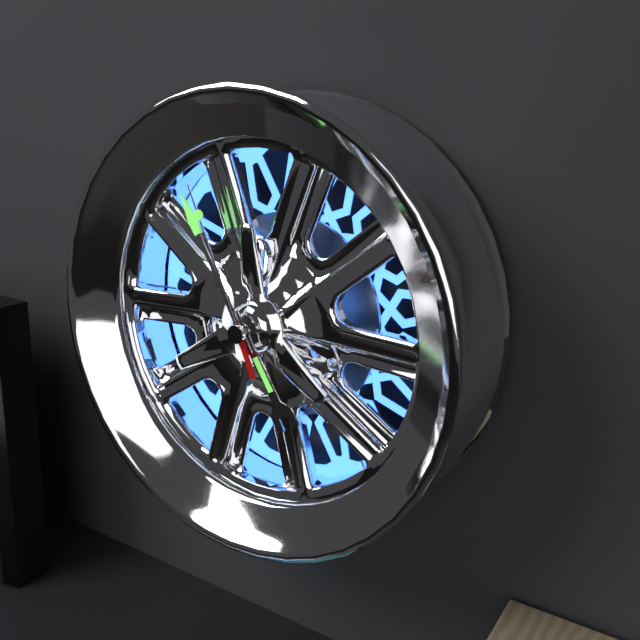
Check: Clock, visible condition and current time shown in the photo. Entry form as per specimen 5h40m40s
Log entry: 4h55m56s
